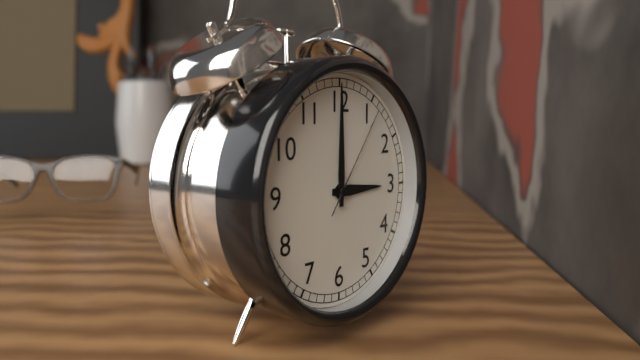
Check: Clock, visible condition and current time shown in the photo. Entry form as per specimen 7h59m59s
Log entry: 3h00m06s
